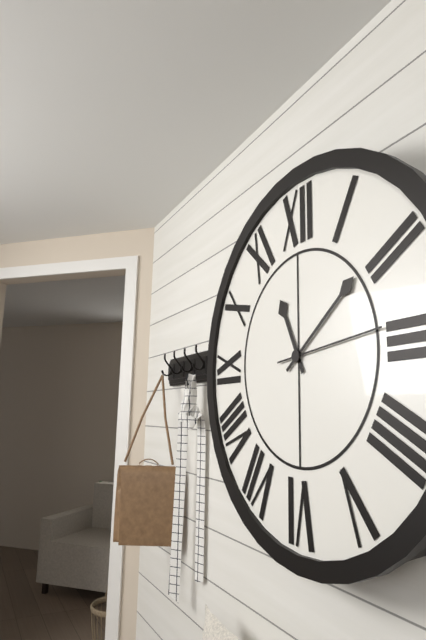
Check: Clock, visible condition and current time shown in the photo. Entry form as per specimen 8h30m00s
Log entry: 11h09m14s
